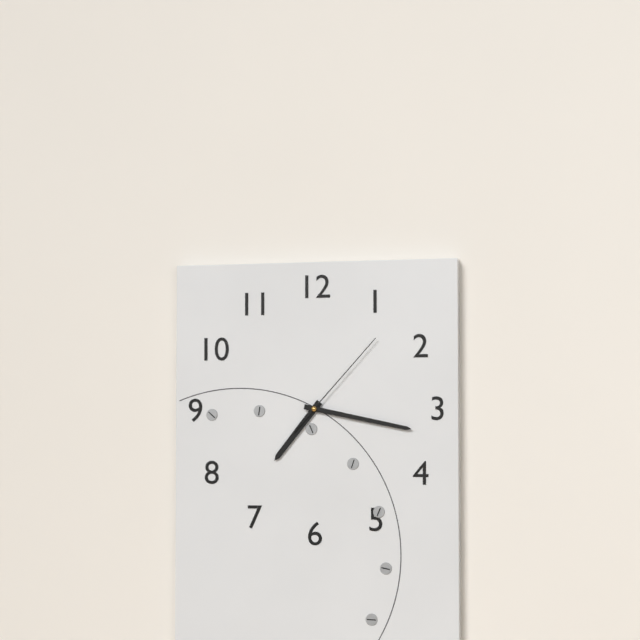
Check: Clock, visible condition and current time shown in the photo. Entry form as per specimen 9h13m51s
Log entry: 7h17m07s
